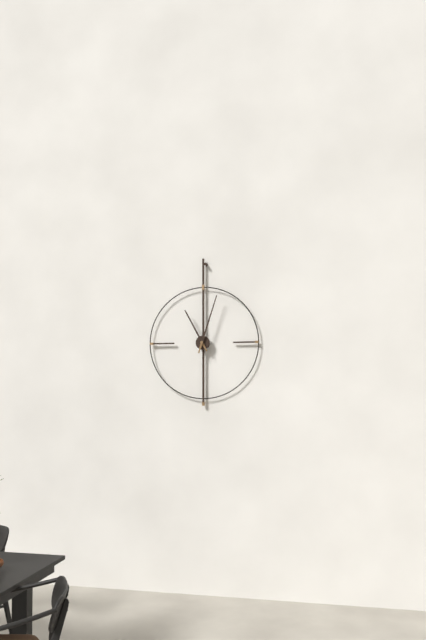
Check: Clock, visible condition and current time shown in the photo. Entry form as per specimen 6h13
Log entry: 11h03
